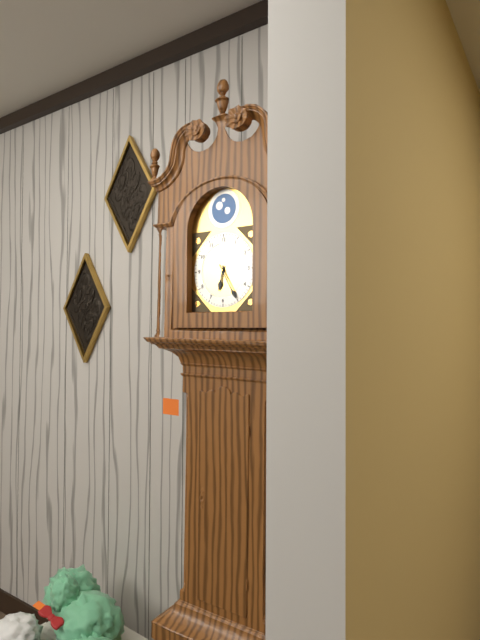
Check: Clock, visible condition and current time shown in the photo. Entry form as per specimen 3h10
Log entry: 6h25
